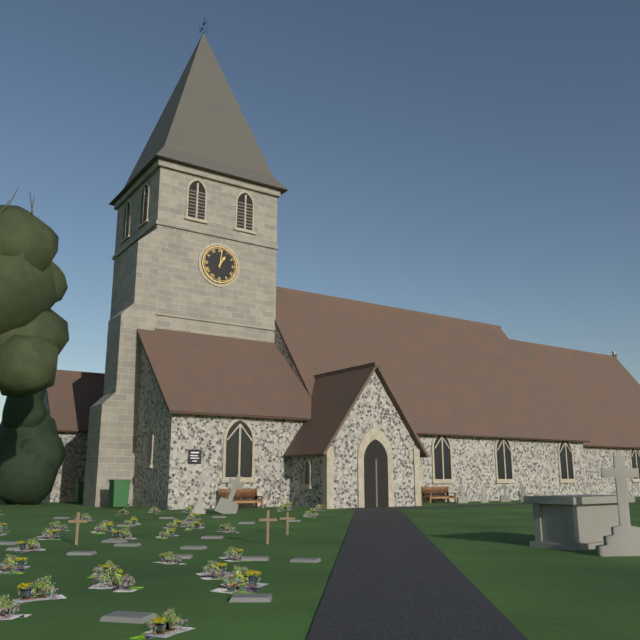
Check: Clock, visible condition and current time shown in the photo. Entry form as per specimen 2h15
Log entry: 1h01
